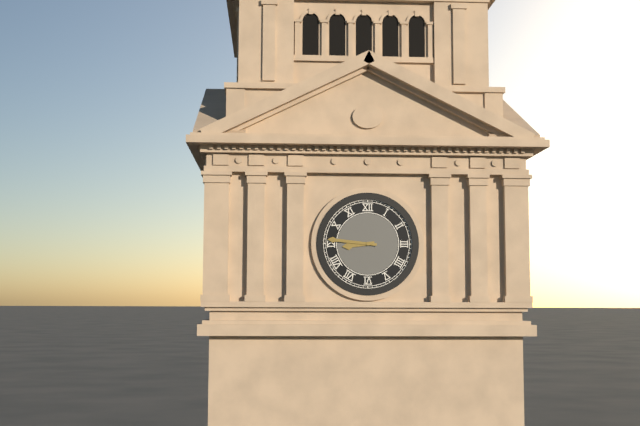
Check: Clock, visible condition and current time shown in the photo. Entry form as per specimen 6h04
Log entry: 8h46
